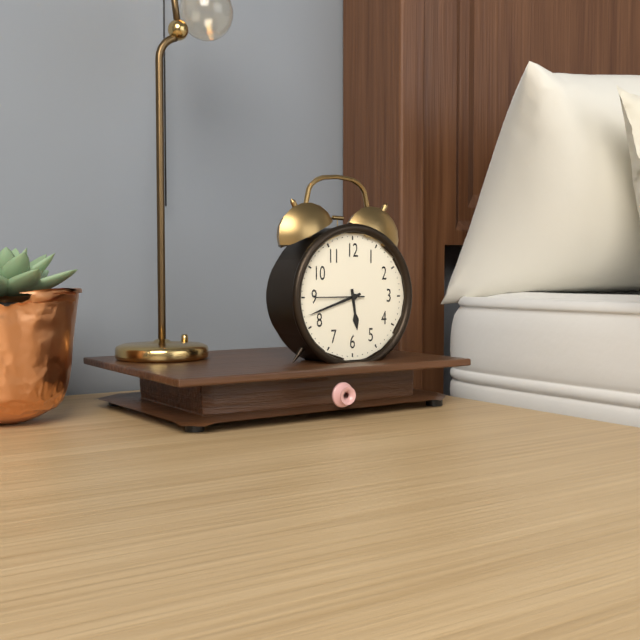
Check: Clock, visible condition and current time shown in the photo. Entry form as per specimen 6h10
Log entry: 5h42
